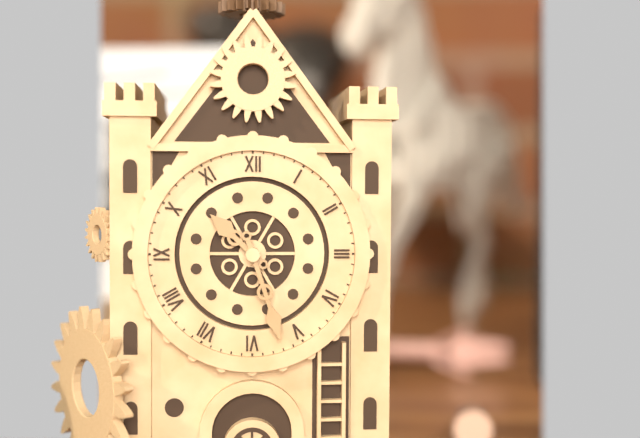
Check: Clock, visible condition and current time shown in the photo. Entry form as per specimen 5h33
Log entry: 10h27
